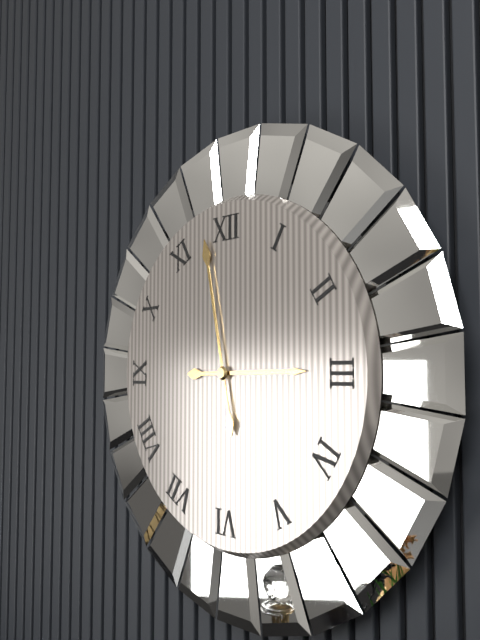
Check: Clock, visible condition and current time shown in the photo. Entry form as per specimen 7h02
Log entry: 2h58
